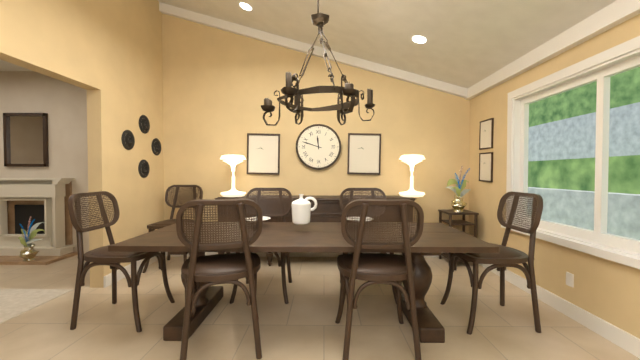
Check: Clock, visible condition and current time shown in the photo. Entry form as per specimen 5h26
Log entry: 11h48
